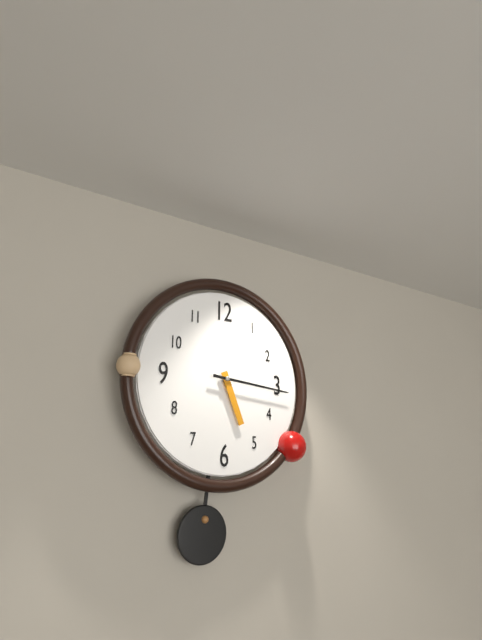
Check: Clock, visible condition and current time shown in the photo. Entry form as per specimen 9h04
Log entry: 5h16
